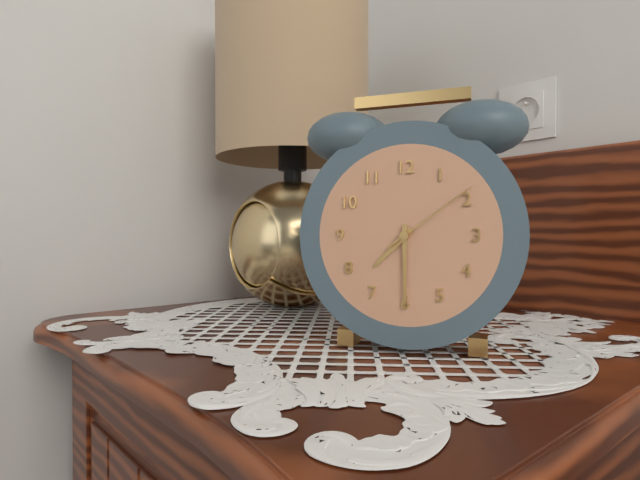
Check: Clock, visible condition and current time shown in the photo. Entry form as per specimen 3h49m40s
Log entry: 7h30m09s
